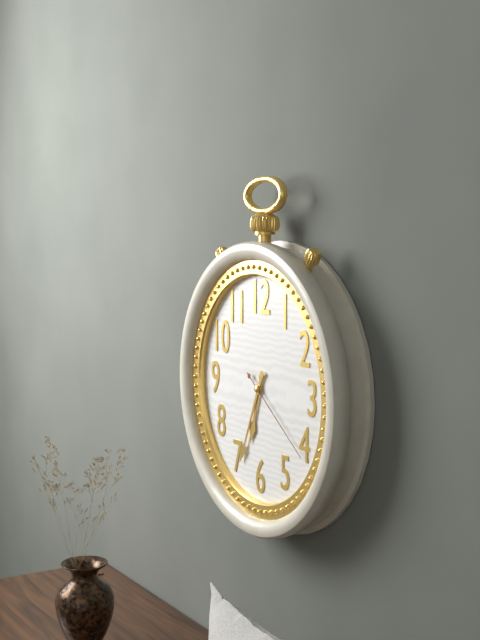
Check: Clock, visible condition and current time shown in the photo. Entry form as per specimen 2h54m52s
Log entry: 6h34m21s
